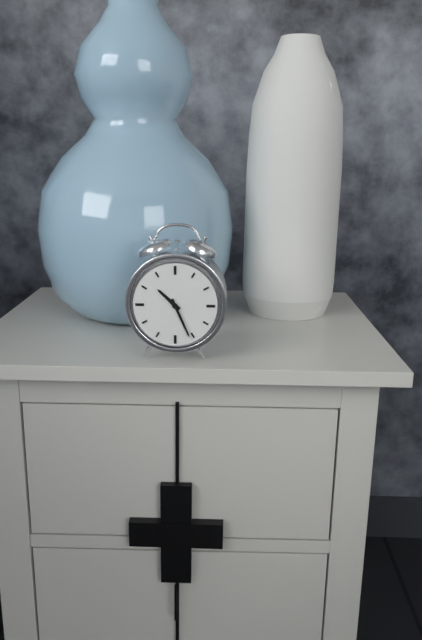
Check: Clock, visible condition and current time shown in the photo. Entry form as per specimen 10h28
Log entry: 10h26
